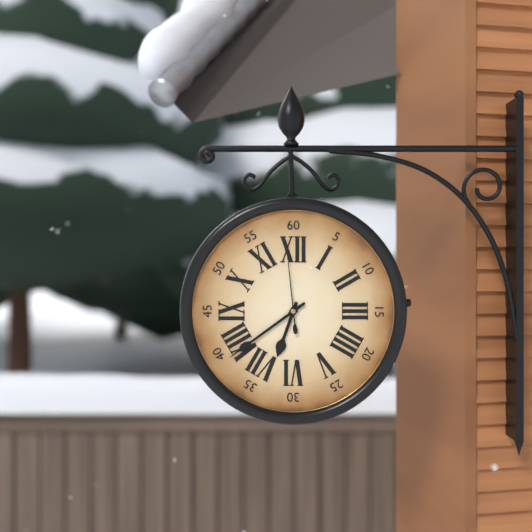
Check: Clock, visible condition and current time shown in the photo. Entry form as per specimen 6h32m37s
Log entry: 6h39m59s
